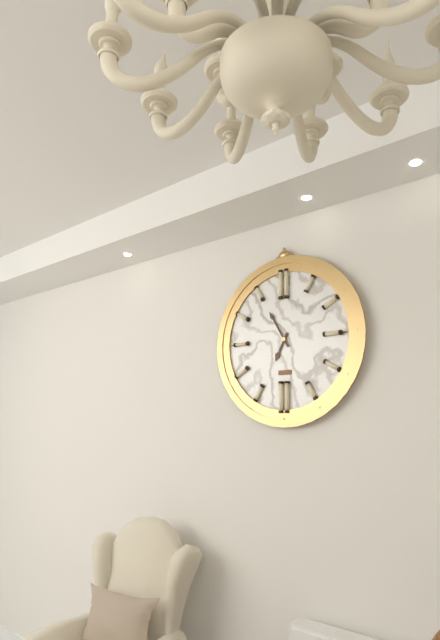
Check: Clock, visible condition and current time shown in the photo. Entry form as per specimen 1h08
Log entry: 6h55
